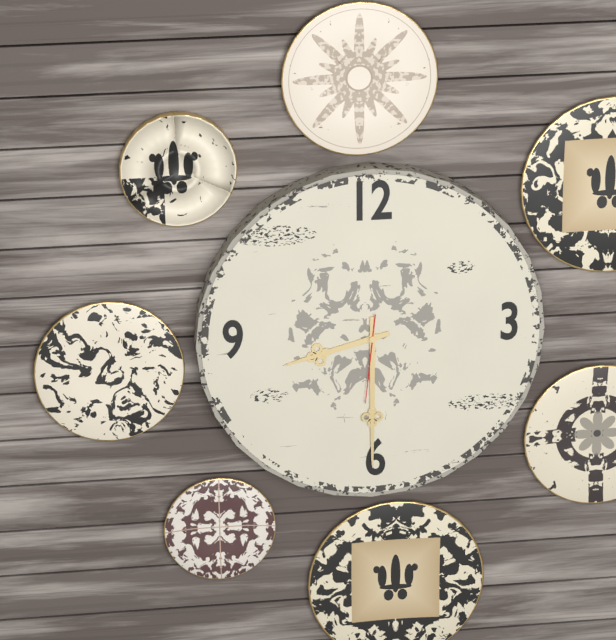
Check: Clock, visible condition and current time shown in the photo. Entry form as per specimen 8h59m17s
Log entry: 8h30m31s
